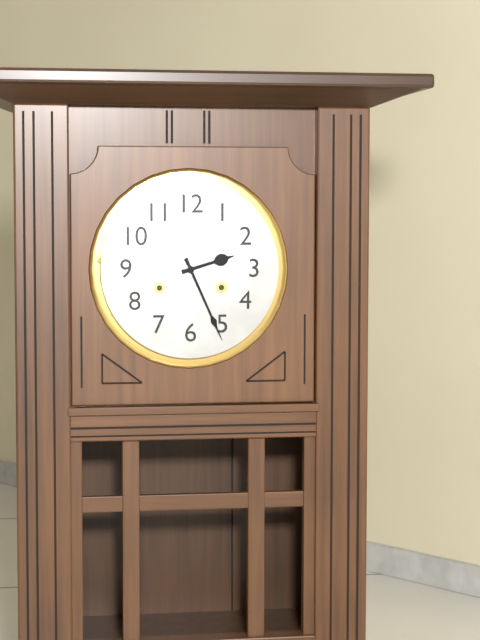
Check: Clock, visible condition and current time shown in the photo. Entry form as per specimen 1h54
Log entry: 2h26
